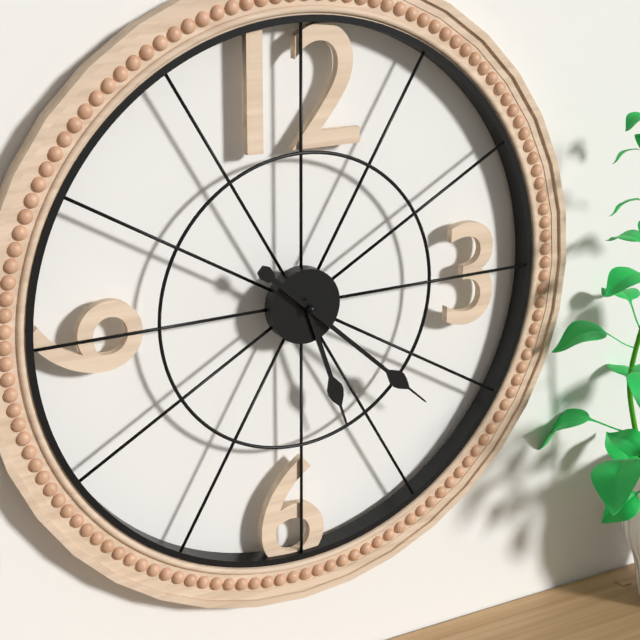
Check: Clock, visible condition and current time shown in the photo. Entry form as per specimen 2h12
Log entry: 5h22
